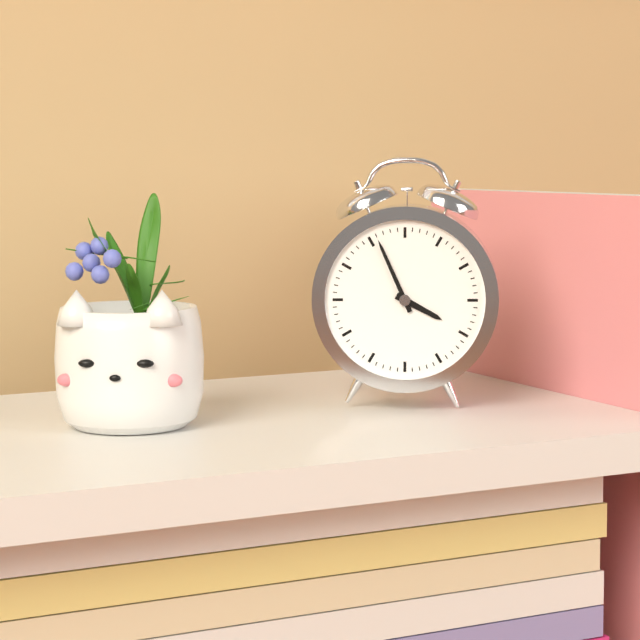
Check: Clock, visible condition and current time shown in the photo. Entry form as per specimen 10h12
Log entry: 3h56
